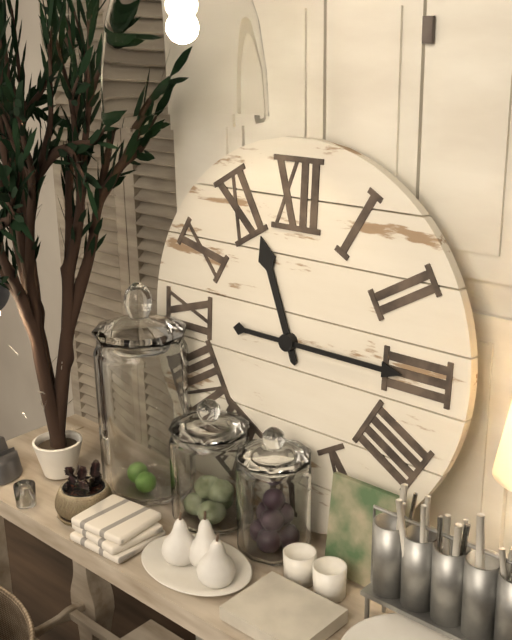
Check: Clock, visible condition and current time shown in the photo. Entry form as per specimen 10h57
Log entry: 11h15
